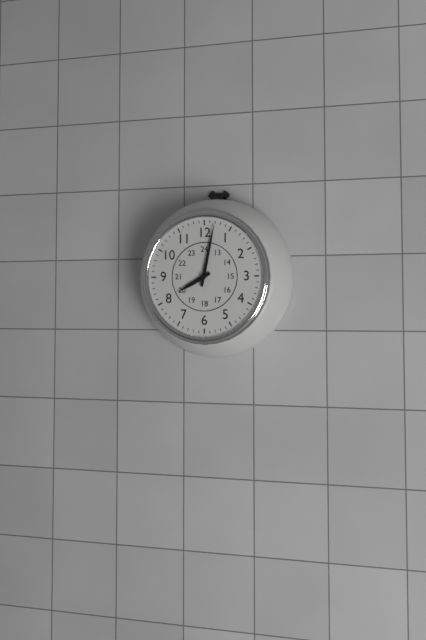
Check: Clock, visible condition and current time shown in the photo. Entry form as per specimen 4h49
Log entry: 8h02
